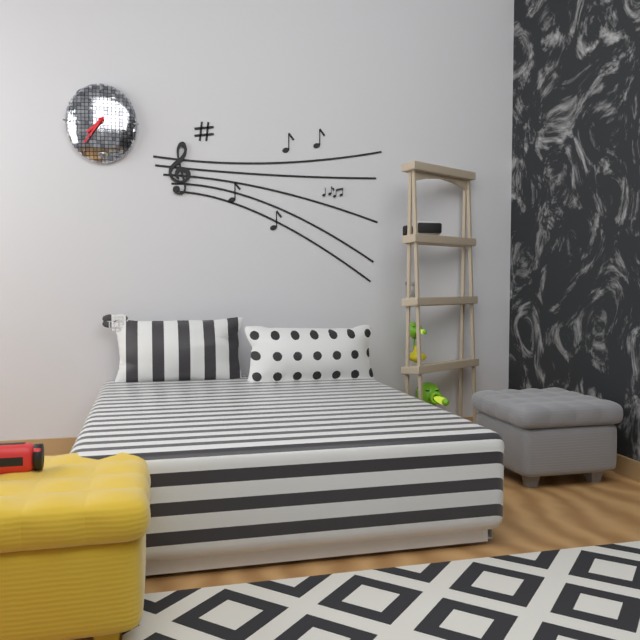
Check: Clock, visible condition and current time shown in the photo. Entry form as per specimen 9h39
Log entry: 7h36
